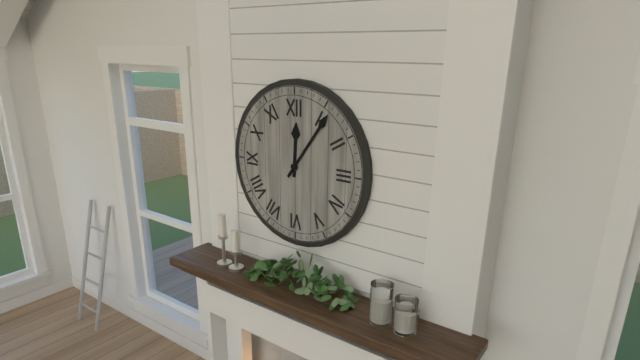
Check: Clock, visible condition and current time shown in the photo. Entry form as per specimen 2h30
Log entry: 12h06
